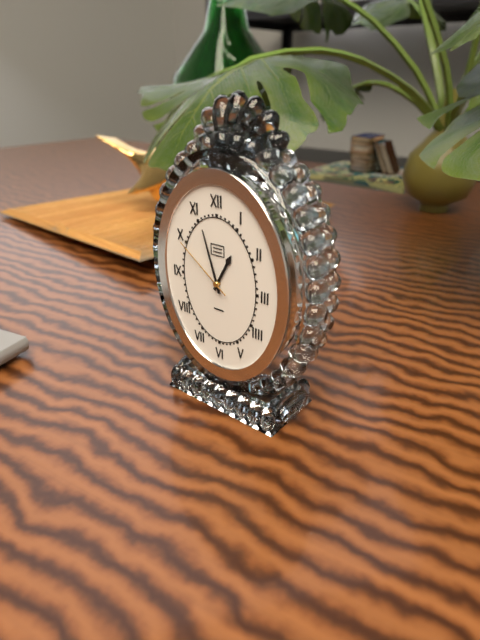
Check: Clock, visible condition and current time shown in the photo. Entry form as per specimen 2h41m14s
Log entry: 12h57m51s
